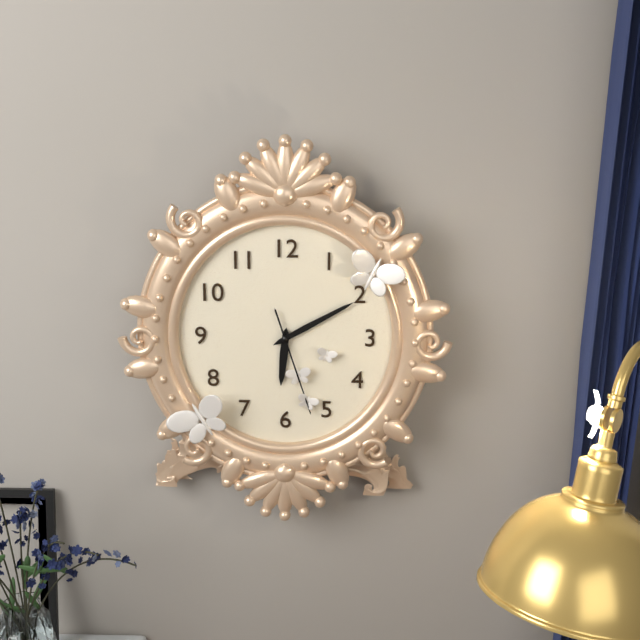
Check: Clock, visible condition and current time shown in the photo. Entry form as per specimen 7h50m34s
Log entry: 6h10m27s
